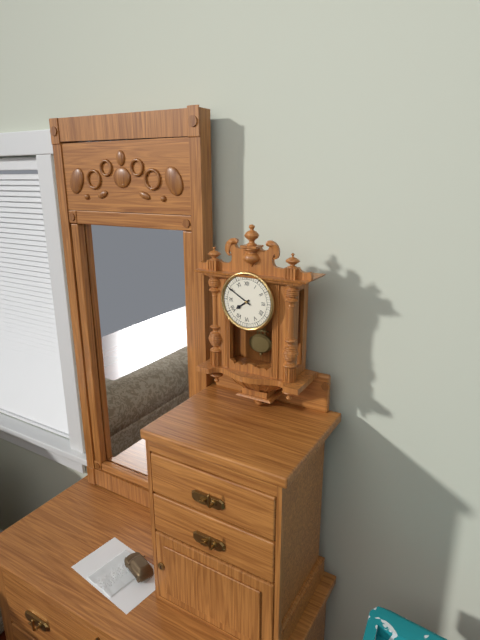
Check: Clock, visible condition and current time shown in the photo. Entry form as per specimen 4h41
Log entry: 7h50
